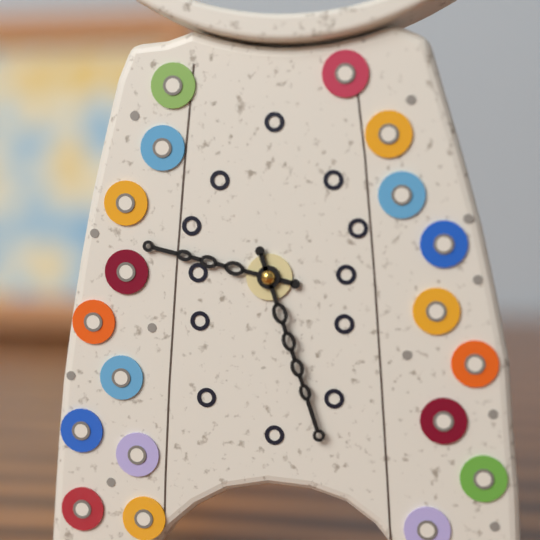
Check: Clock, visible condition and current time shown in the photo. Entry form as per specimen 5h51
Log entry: 9h27
